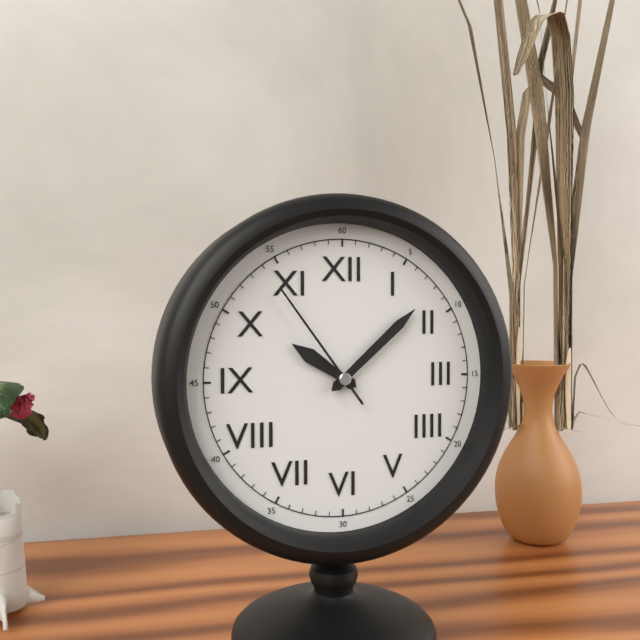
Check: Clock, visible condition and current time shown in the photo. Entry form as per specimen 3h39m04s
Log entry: 10h08m54s
